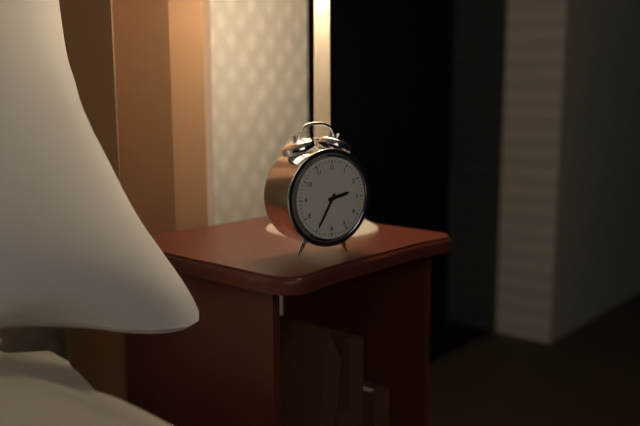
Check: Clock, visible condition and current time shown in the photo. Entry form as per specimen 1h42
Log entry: 2h35
